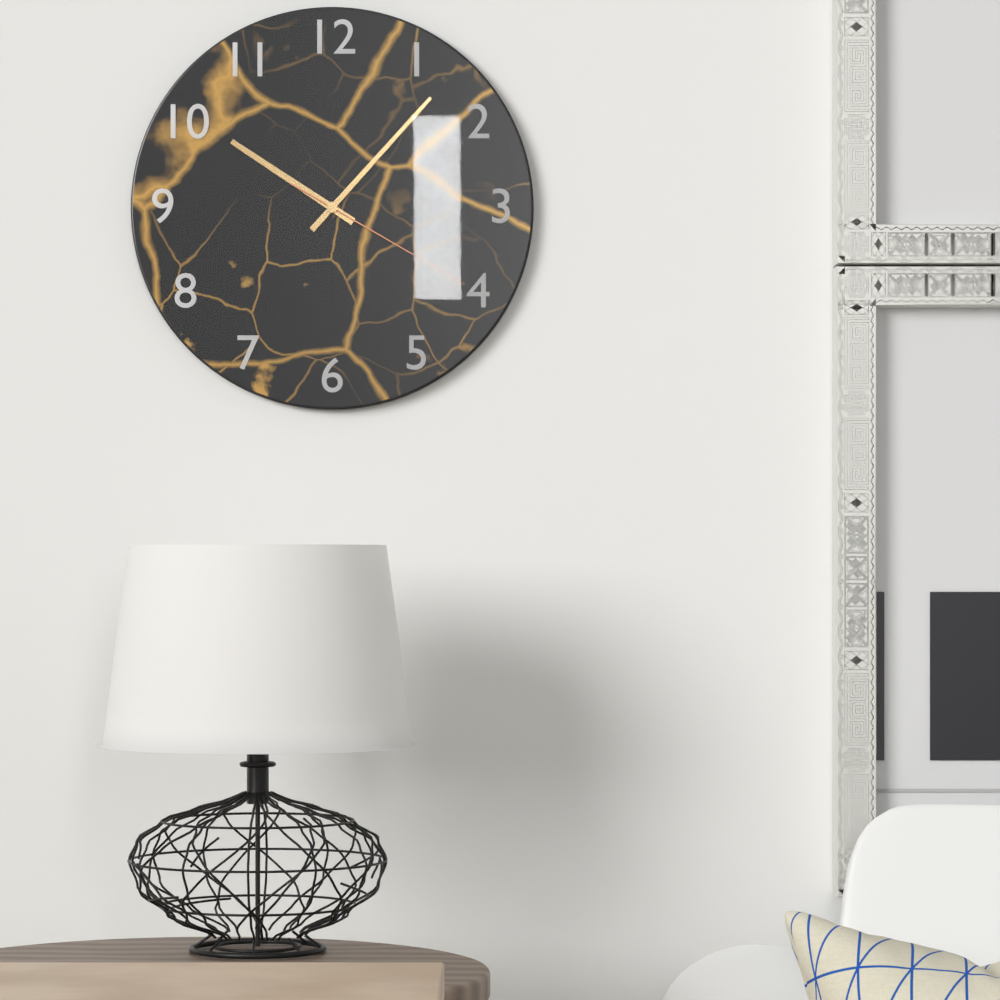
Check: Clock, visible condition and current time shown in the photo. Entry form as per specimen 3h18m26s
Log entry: 10h07m20s
